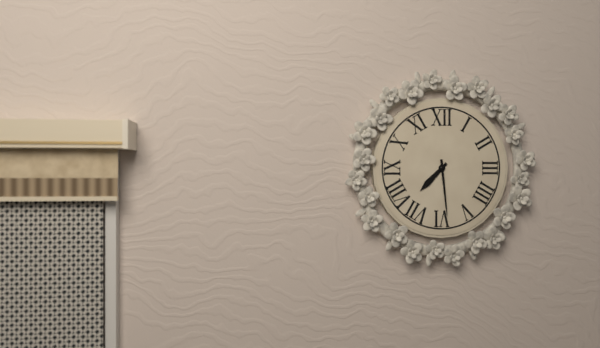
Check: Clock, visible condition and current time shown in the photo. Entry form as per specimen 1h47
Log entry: 7h29
